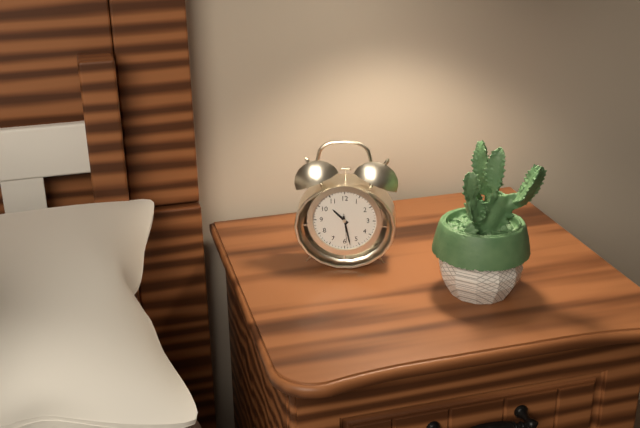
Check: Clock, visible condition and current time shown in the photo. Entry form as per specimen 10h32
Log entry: 10h28
